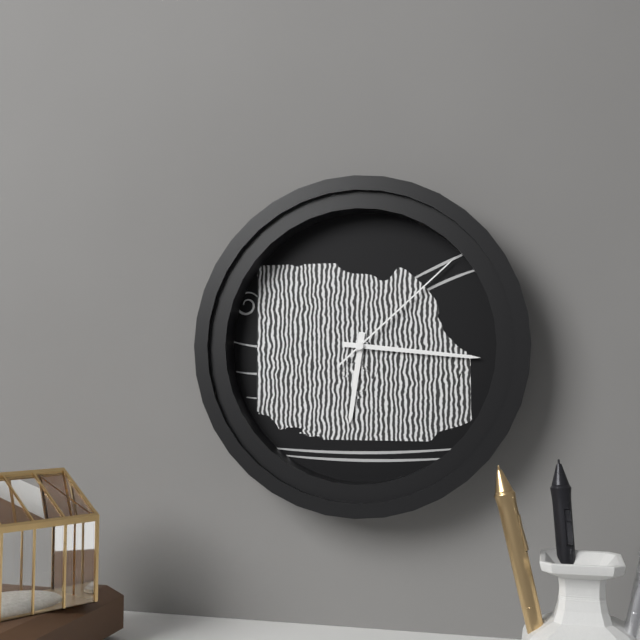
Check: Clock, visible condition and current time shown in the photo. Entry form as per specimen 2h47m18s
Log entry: 6h16m08s
